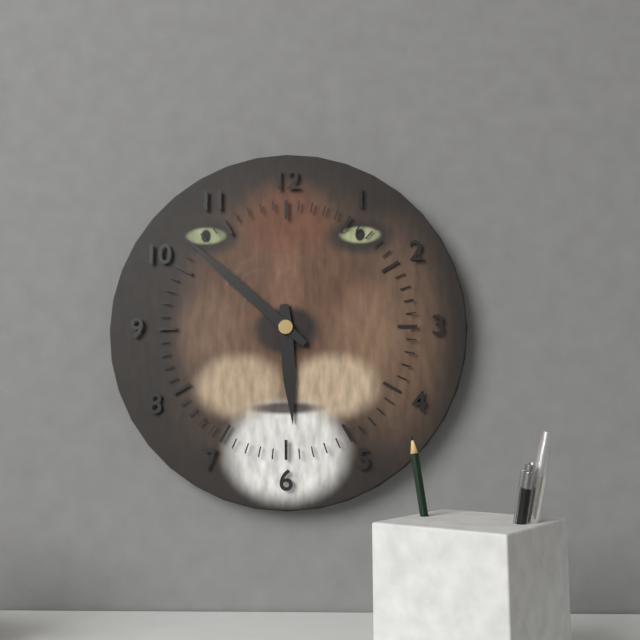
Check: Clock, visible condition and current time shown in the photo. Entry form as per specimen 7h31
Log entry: 5h52
